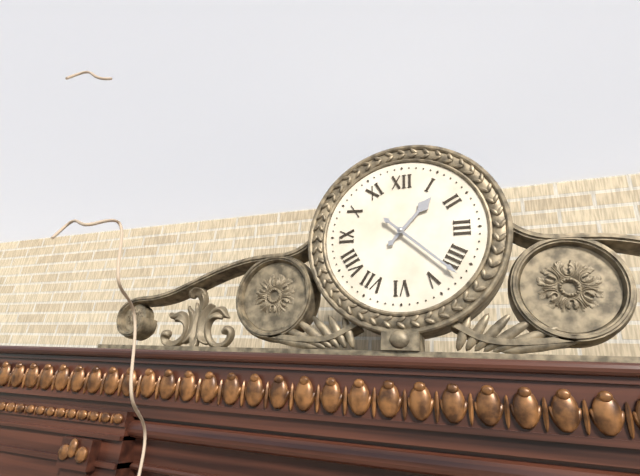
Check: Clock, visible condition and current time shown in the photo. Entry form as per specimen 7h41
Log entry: 1h22
